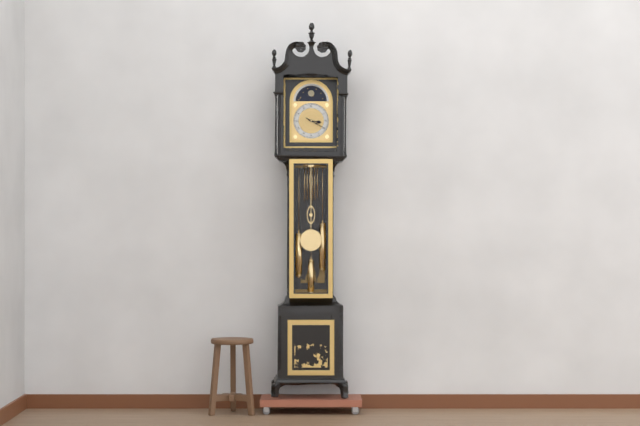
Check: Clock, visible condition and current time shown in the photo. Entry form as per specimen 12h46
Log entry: 3h20
